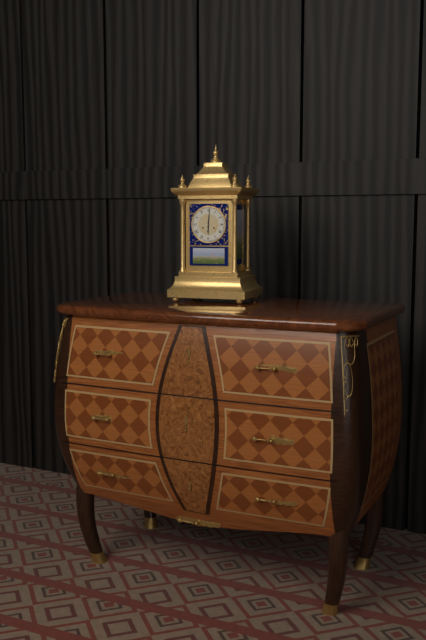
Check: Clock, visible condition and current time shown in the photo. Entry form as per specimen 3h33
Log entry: 6h01
